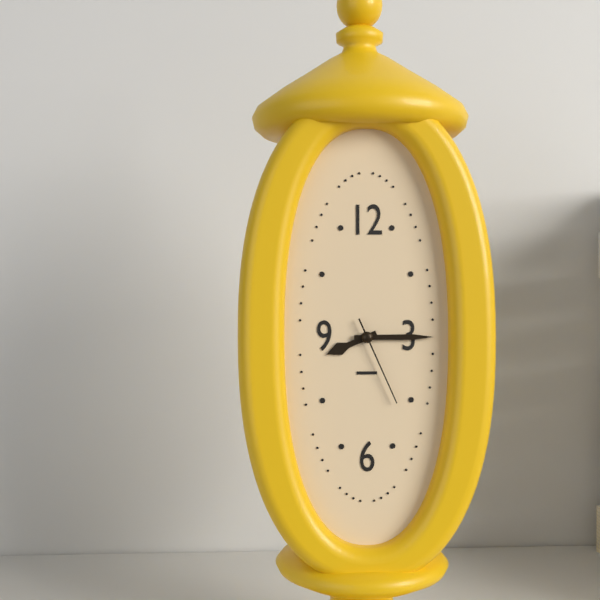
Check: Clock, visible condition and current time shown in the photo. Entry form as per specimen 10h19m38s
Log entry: 8h15m26s
